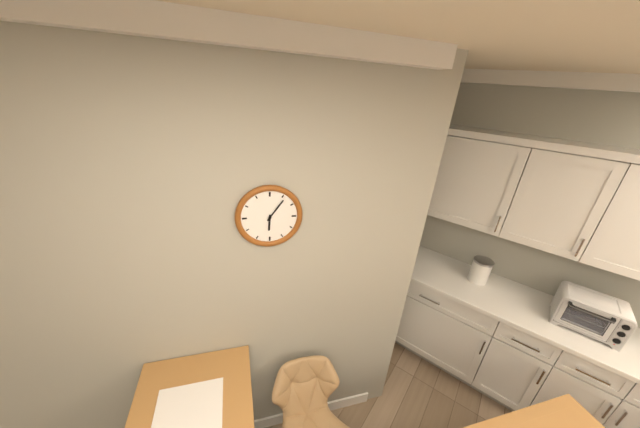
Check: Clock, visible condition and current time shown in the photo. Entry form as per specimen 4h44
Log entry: 6h06
